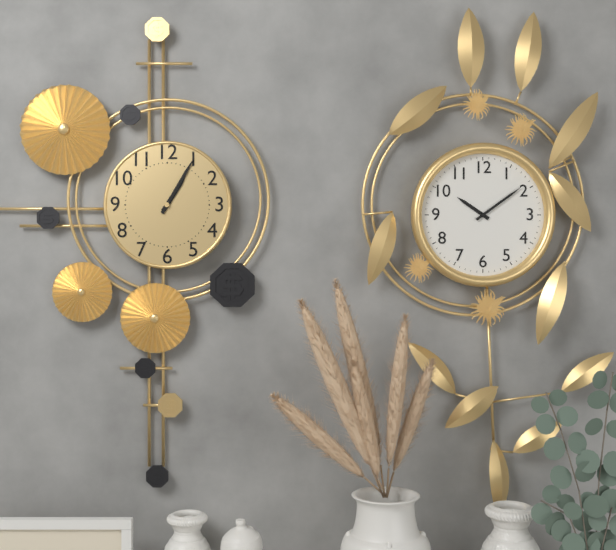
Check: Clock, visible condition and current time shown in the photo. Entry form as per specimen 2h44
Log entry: 1h05
